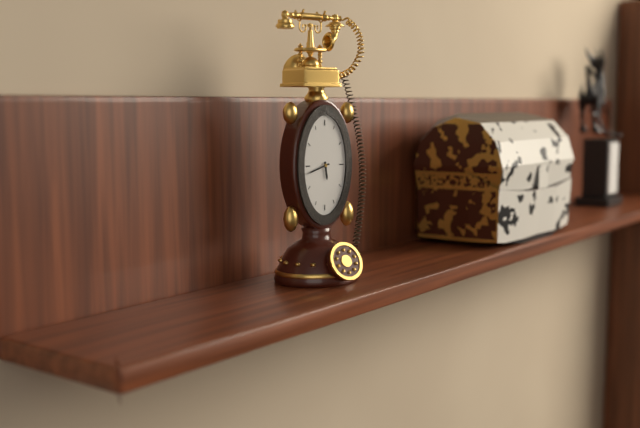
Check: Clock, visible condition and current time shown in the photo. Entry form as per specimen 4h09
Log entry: 5h42
